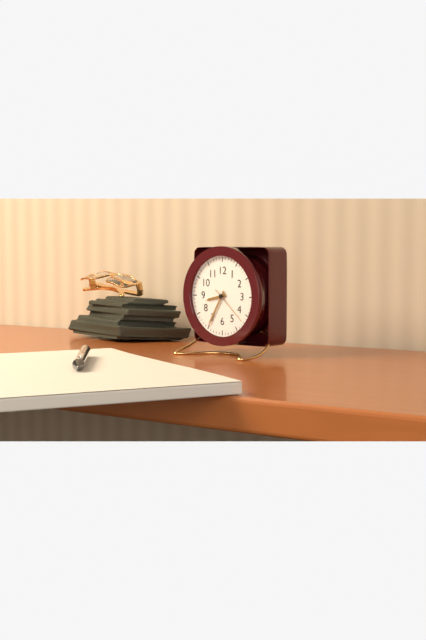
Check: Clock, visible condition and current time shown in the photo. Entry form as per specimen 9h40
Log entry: 8h35
